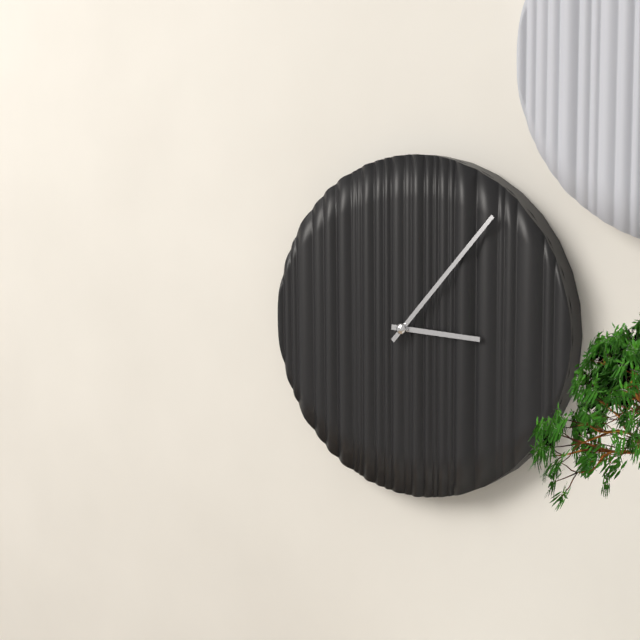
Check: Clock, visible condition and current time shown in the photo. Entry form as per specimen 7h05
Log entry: 3h07
